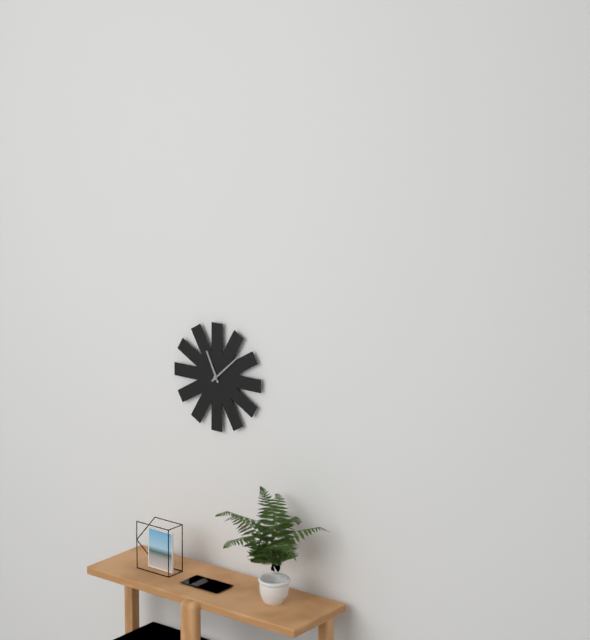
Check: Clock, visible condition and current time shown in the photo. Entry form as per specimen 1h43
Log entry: 11h08
